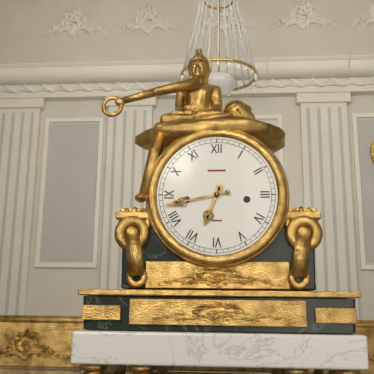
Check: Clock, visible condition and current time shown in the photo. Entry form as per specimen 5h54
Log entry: 6h43
